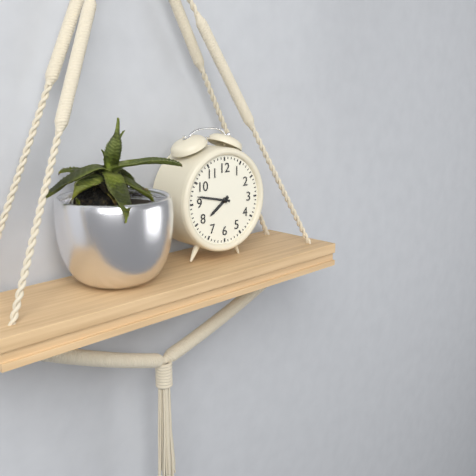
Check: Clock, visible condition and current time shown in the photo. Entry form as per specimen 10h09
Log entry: 7h47
